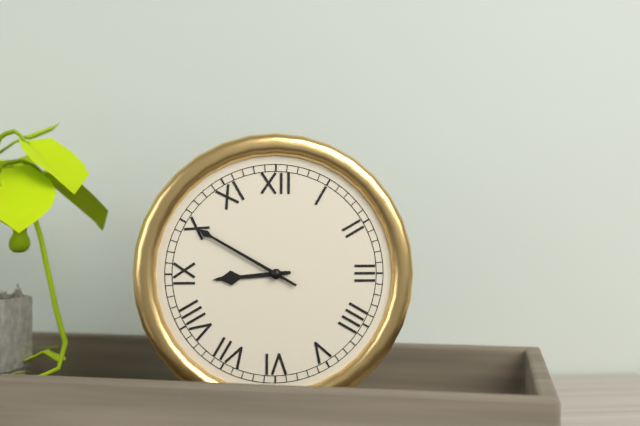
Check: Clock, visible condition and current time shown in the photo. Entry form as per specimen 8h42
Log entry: 8h50
